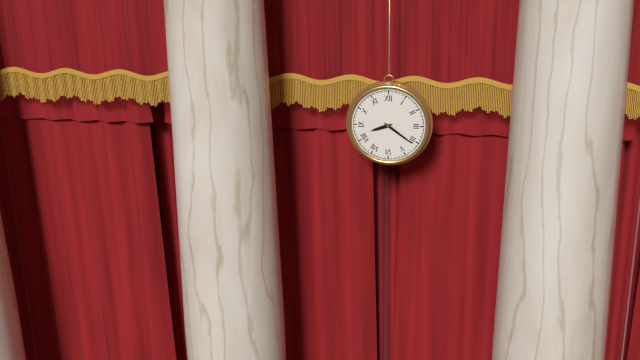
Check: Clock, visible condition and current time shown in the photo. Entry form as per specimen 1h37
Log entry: 8h21
